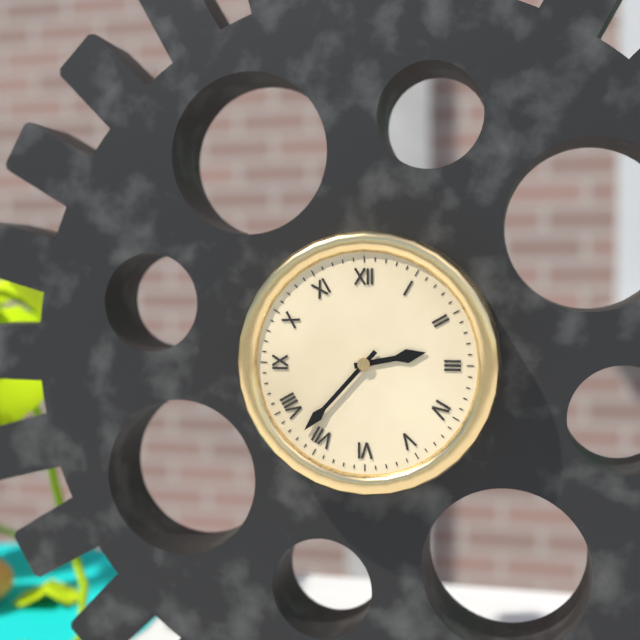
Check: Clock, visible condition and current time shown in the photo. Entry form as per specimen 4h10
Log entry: 2h37
